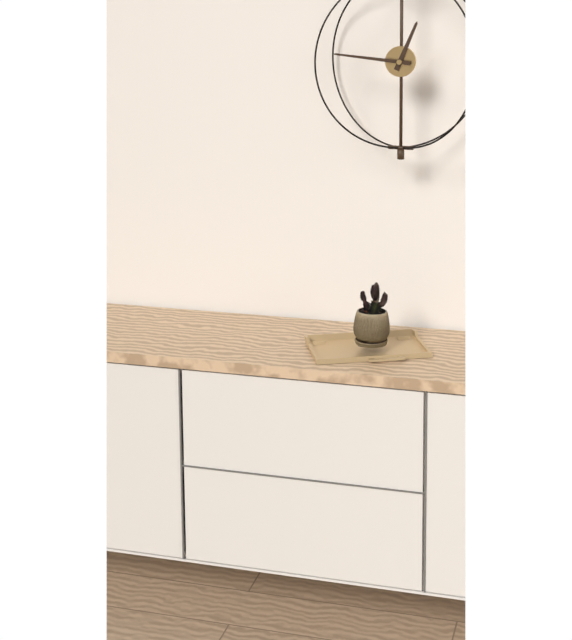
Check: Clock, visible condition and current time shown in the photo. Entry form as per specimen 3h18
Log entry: 12h46
